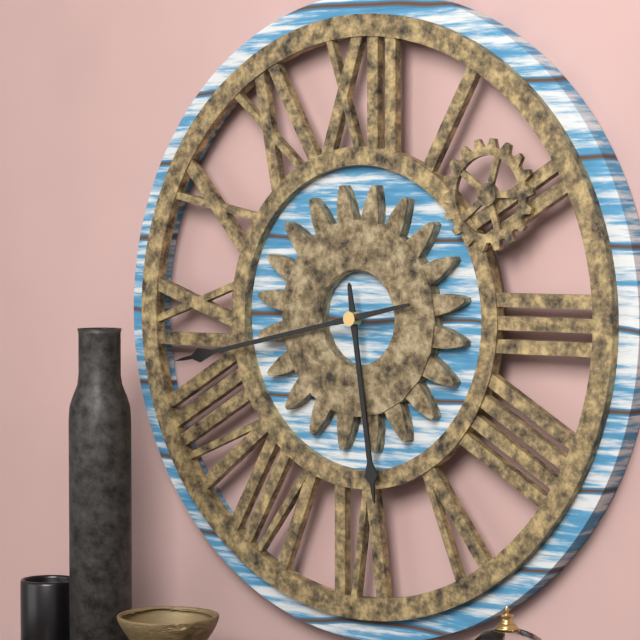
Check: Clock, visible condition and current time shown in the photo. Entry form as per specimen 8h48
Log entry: 5h43
